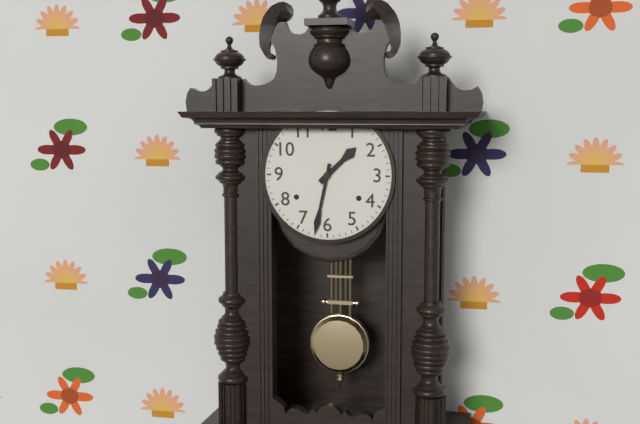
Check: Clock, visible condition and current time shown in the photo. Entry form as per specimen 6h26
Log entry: 1h32
